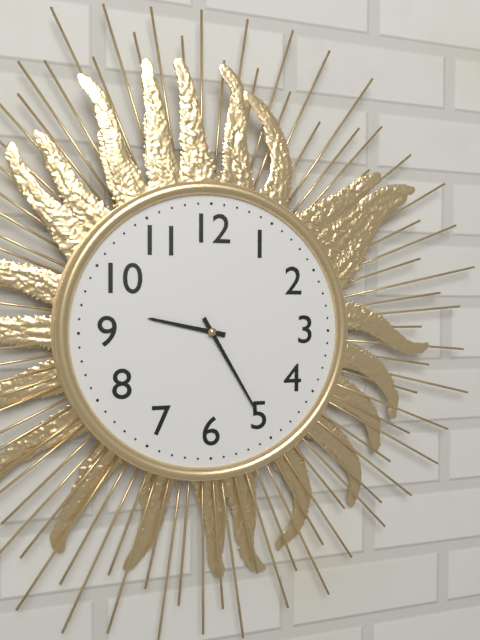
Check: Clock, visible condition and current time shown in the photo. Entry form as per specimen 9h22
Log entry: 9h25
